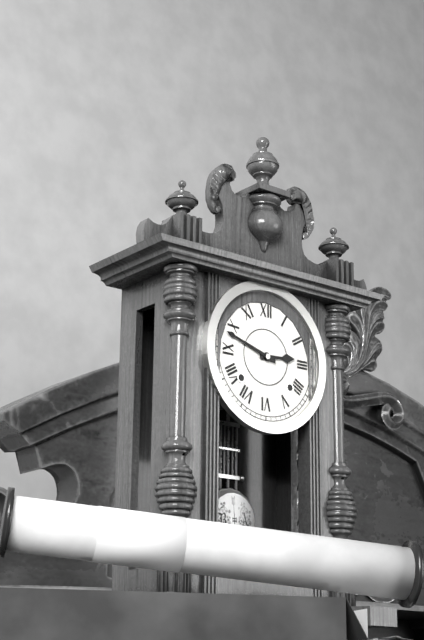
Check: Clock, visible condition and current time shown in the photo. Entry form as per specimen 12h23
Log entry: 2h48
